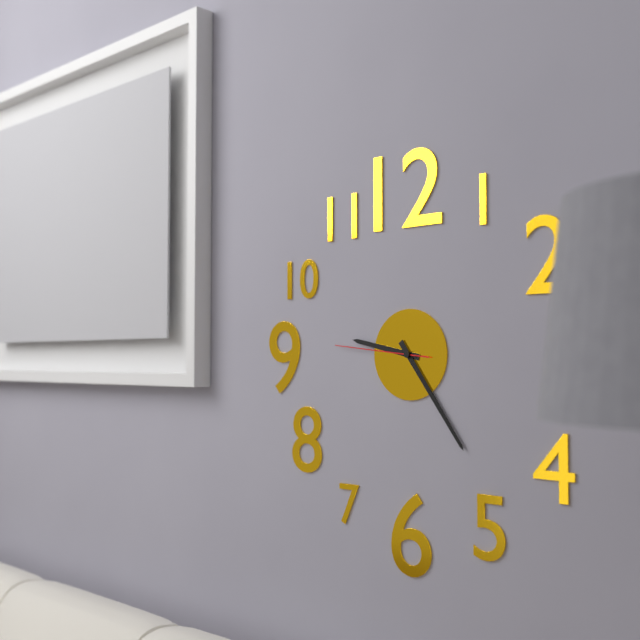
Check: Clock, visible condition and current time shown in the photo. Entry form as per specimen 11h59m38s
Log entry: 9h24m46s
